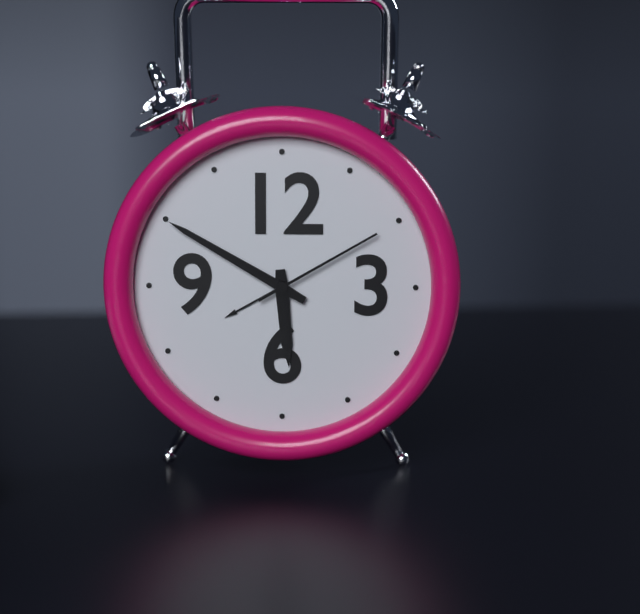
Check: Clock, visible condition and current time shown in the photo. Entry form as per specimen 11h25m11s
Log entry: 5h50m10s
